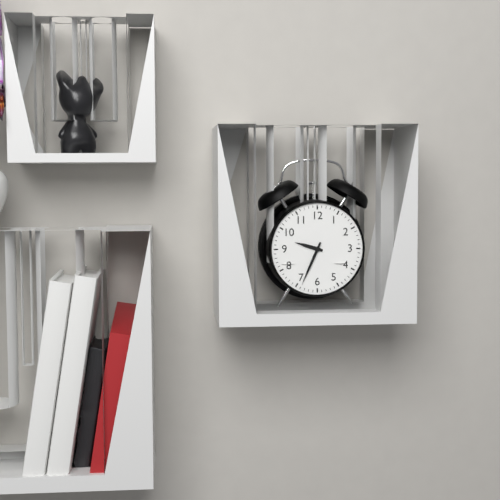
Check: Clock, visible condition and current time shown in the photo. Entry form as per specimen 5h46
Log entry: 9h34
